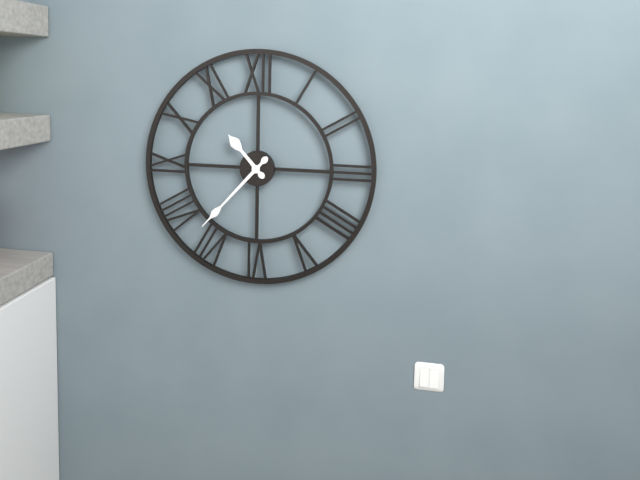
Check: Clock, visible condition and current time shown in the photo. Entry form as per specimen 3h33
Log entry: 10h37
